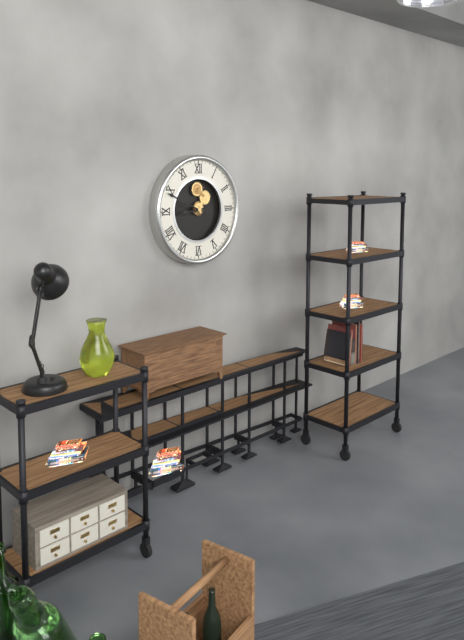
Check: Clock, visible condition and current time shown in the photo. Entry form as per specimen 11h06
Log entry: 8h49
